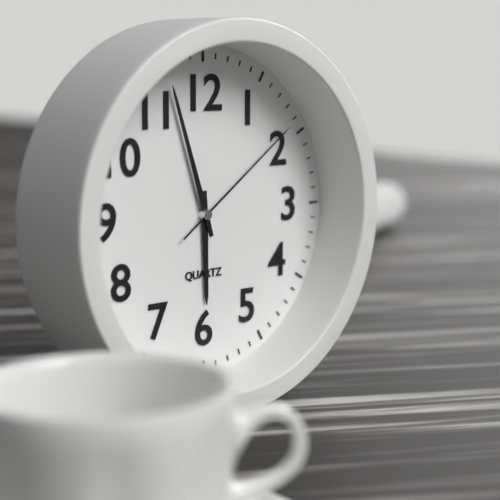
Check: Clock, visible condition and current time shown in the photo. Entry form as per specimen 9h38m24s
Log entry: 5h57m09s
